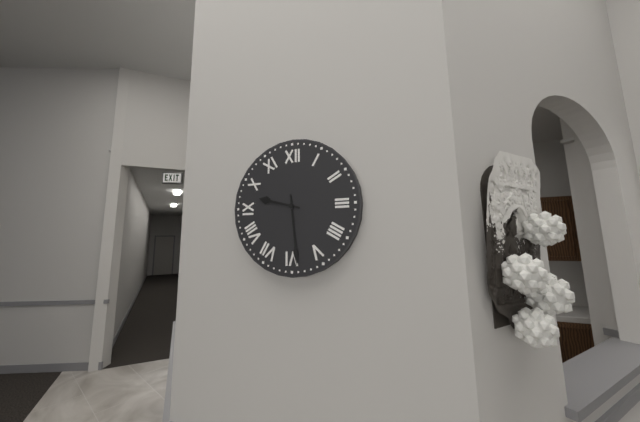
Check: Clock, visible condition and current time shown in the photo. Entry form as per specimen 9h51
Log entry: 9h29
